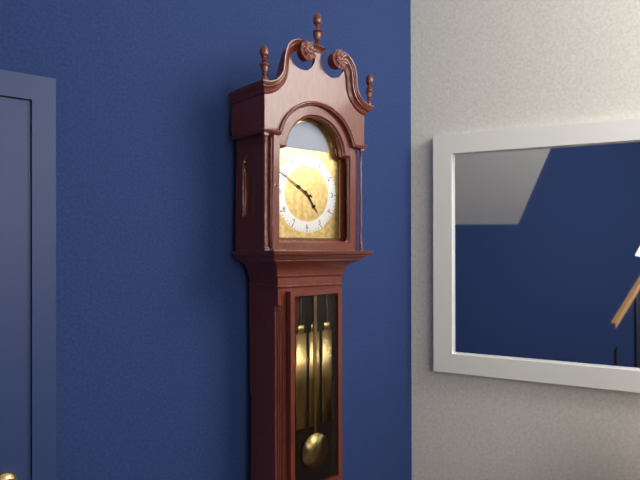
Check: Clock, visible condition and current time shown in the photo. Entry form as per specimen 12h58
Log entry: 4h50
